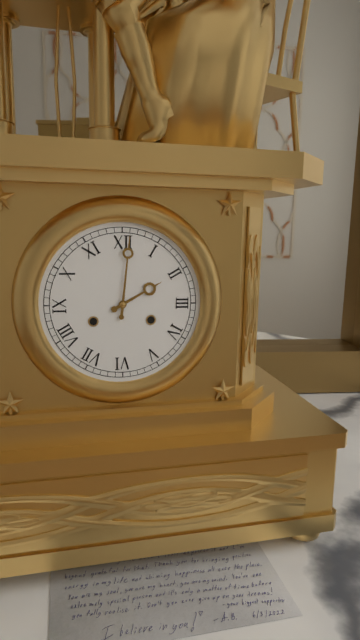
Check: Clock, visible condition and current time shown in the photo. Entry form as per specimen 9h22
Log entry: 2h01
